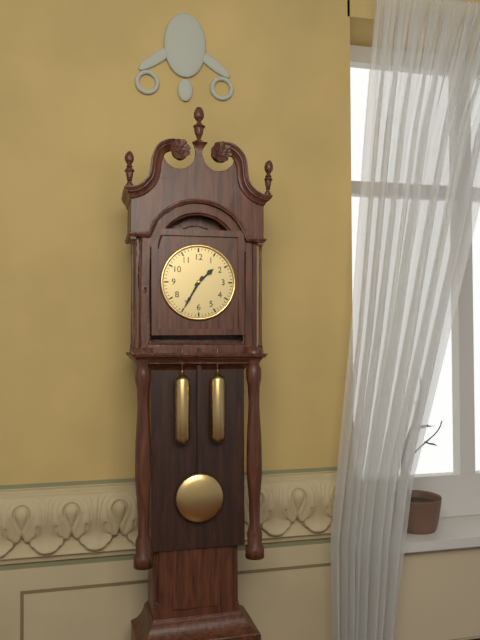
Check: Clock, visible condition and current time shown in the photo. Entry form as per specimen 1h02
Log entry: 1h35
